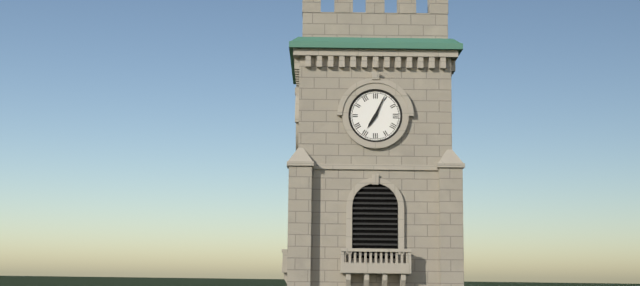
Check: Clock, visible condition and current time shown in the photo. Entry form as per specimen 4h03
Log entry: 7h04
